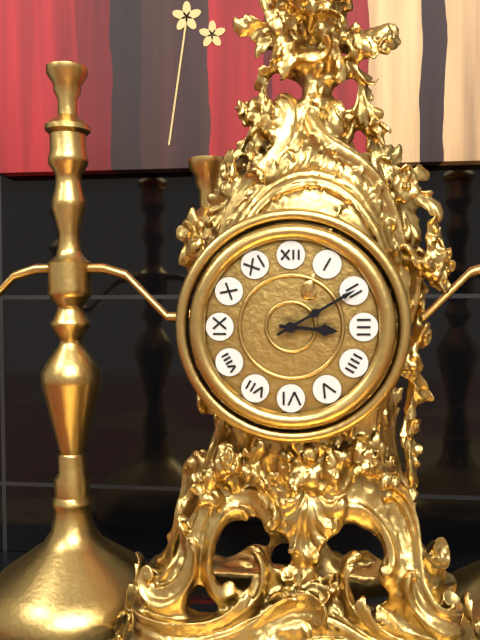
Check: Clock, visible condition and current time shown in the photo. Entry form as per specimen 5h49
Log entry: 3h10
